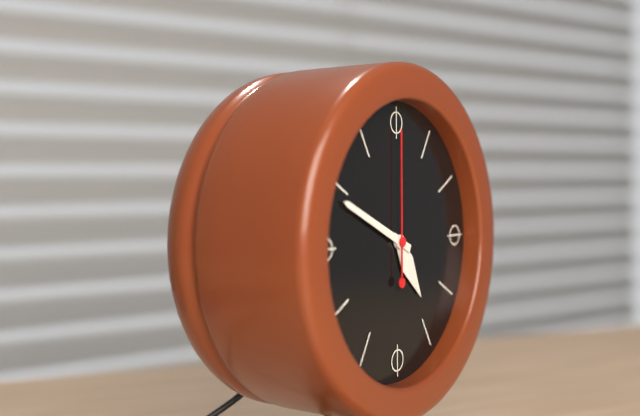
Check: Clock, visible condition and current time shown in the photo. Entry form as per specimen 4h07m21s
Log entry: 4h49m00s
